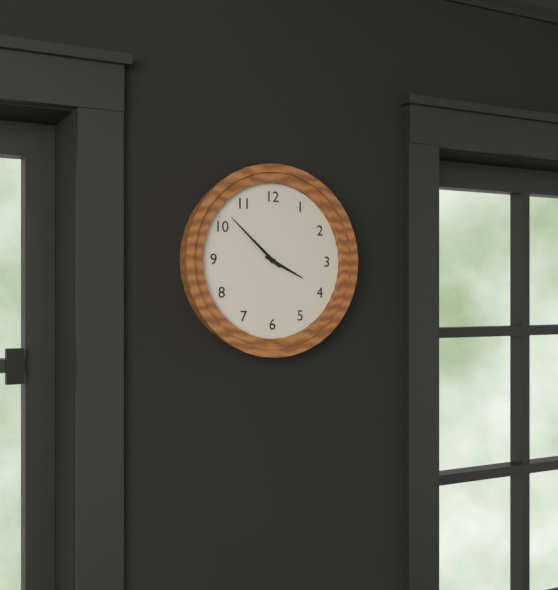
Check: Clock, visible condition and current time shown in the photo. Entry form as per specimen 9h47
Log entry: 3h52
